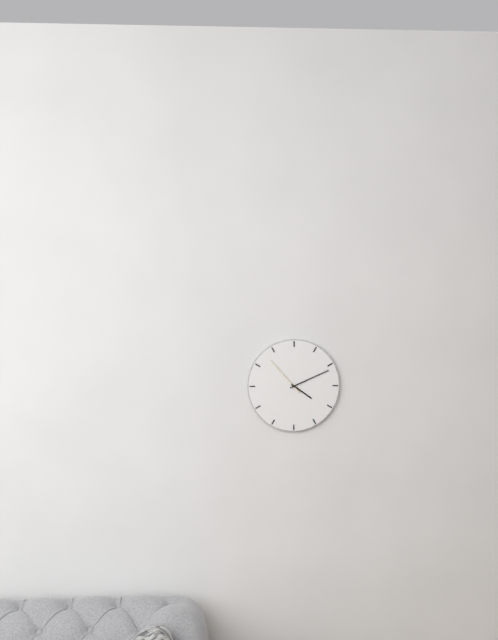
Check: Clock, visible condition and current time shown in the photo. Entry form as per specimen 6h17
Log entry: 4h11
